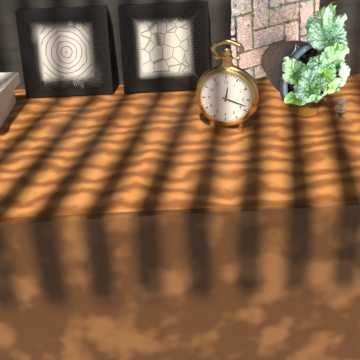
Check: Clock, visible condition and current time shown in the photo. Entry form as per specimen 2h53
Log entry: 12h18
